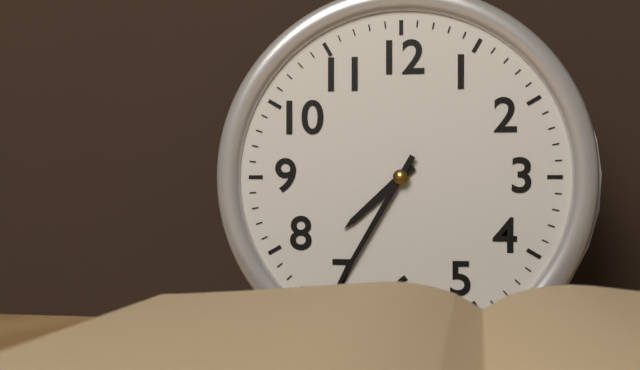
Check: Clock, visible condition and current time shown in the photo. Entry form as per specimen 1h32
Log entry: 7h35
